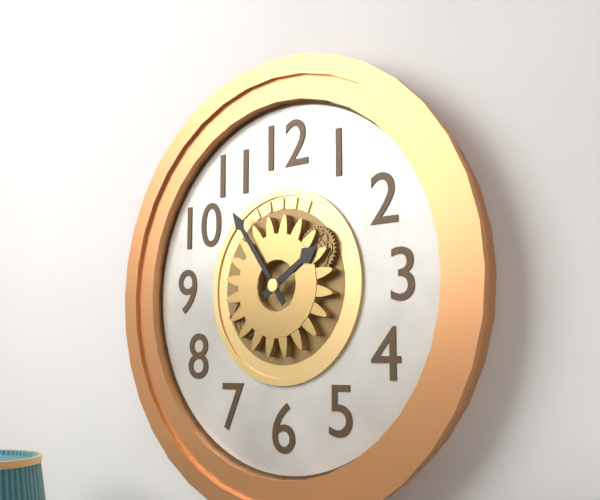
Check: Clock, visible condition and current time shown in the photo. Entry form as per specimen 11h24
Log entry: 1h54
